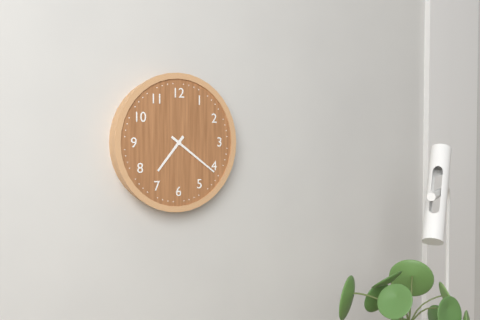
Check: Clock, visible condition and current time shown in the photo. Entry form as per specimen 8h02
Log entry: 7h21
